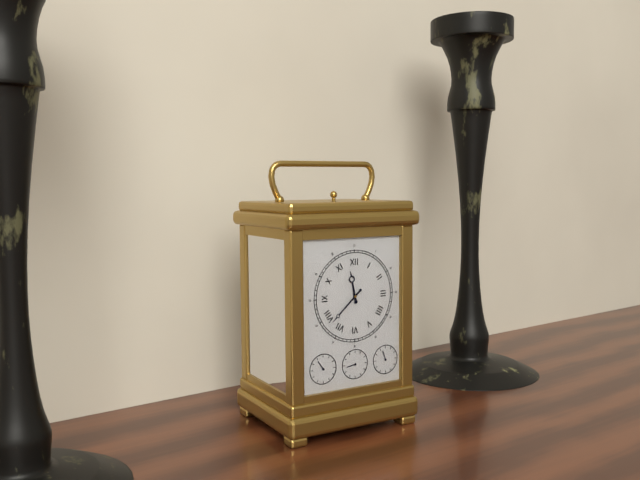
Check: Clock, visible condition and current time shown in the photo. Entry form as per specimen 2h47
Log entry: 11h38
